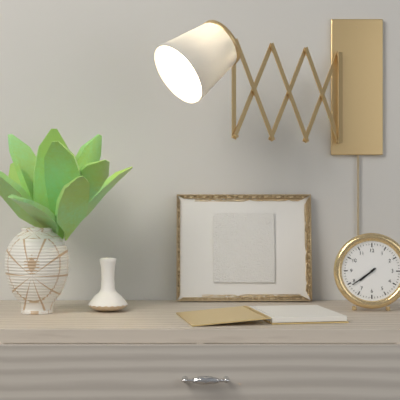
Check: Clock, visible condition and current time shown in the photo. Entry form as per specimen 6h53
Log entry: 7h39
